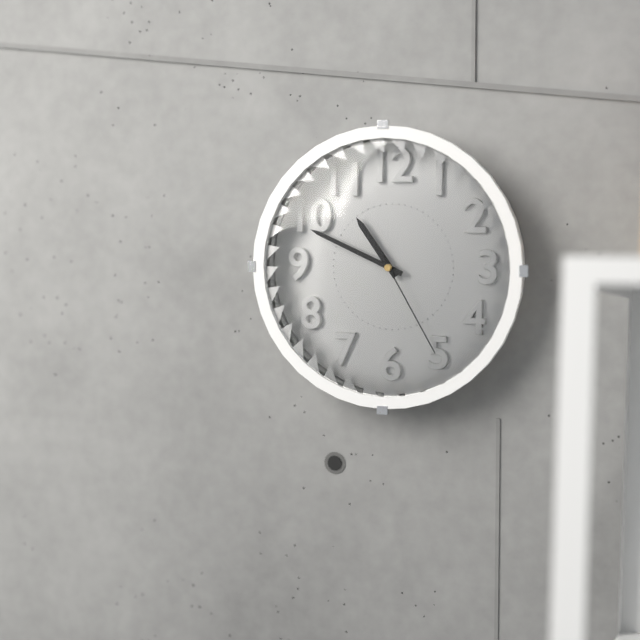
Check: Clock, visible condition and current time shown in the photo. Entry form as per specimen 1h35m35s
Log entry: 10h49m25s
